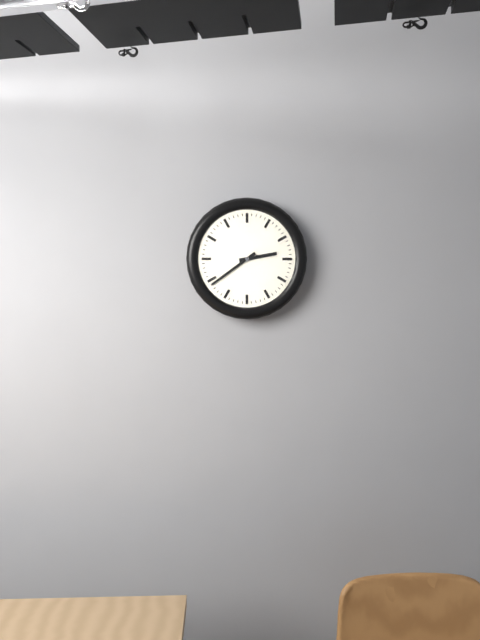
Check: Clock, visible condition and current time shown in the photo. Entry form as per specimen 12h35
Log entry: 2h39
